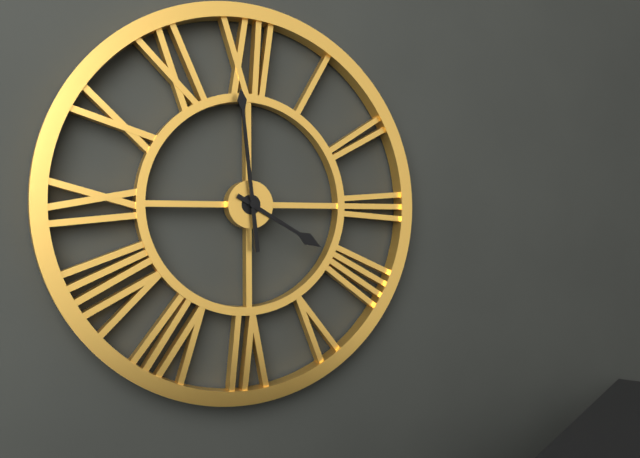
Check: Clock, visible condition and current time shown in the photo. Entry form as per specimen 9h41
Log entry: 3h59
